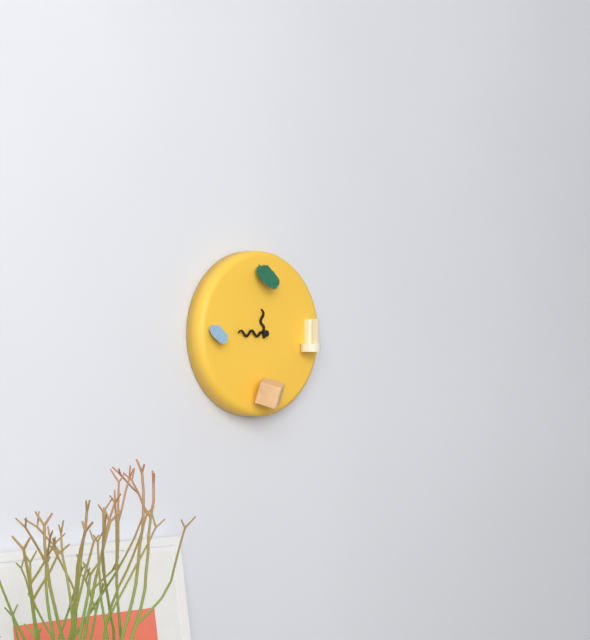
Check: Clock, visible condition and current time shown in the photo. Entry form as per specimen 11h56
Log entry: 11h45
